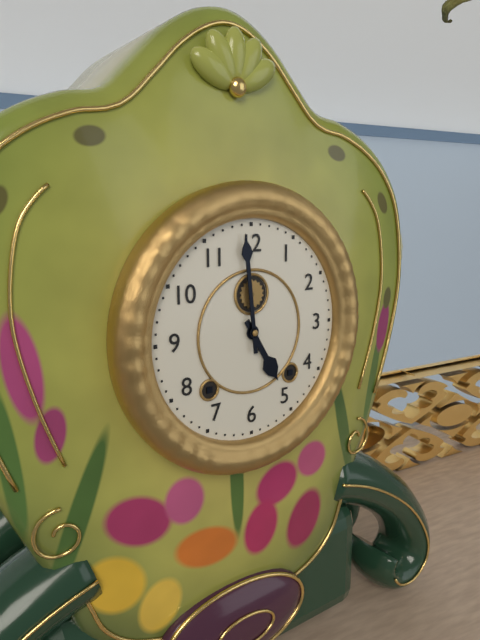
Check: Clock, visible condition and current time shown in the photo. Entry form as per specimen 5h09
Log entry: 4h59
